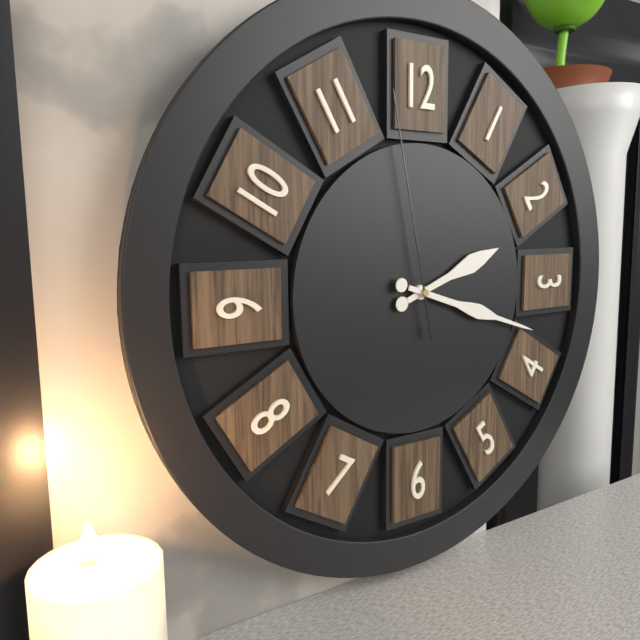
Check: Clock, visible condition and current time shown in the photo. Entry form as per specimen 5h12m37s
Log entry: 2h18m58s
